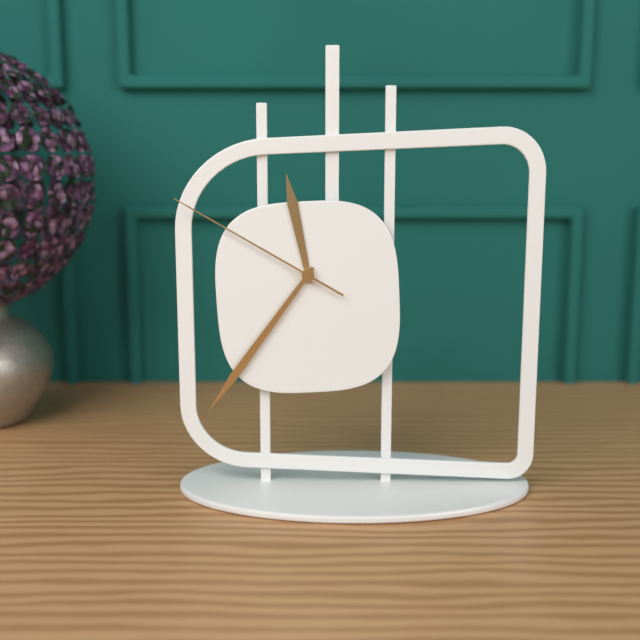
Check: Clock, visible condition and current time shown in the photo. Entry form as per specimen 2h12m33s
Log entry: 11h36m50s
